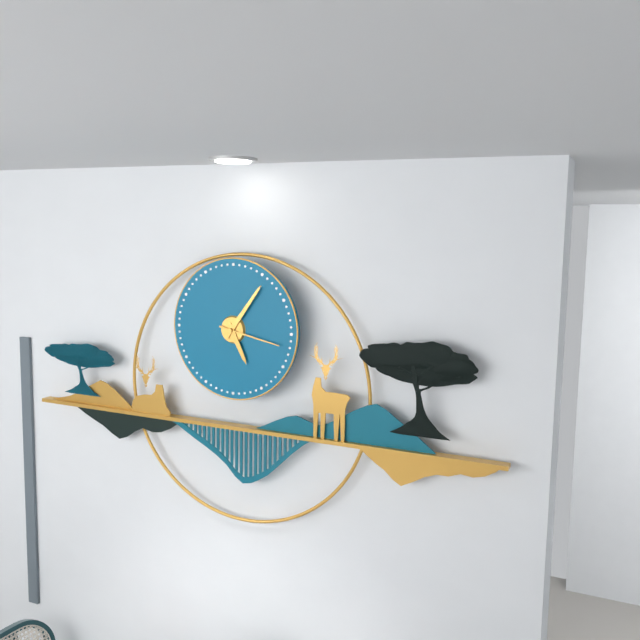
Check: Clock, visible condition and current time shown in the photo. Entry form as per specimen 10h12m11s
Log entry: 5h06m17s
